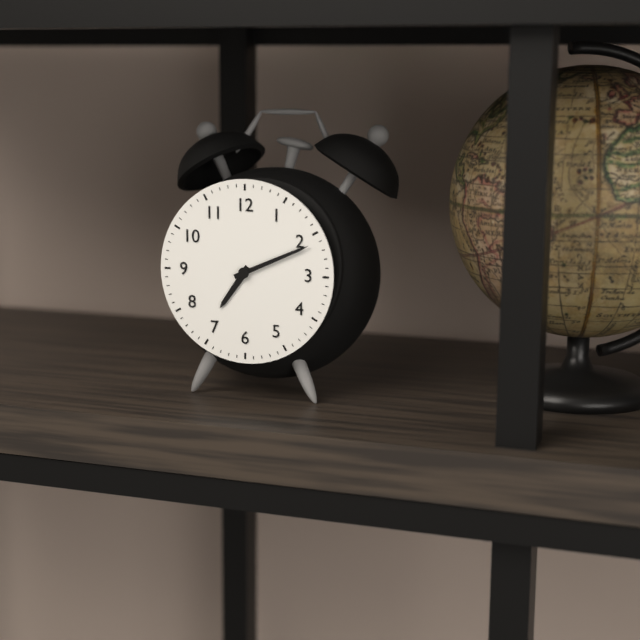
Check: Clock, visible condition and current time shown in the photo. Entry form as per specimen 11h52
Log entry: 7h11
